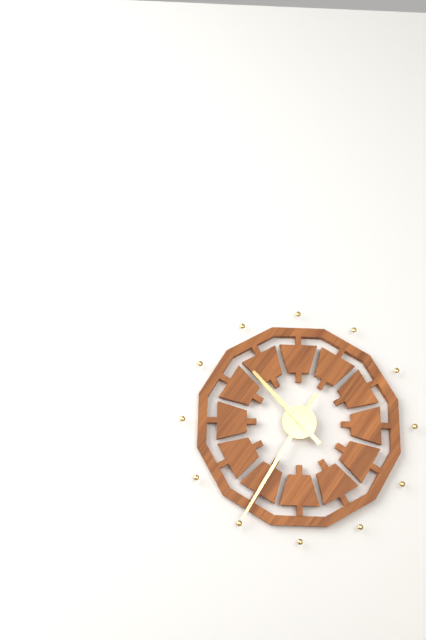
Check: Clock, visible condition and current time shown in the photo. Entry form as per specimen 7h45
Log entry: 10h35
